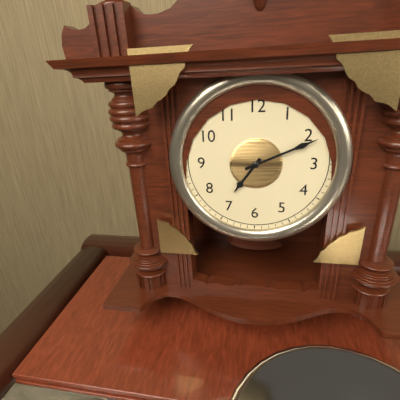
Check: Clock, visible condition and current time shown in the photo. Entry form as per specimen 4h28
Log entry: 7h11
